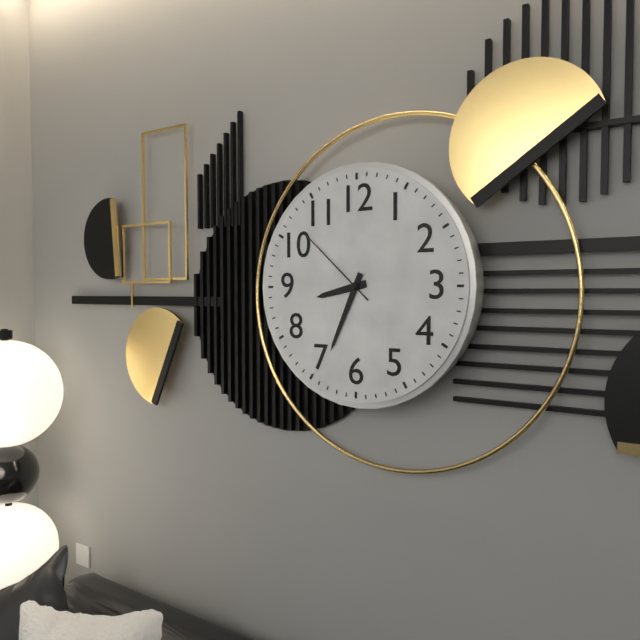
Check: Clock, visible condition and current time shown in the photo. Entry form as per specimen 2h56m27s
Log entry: 8h34m52s
